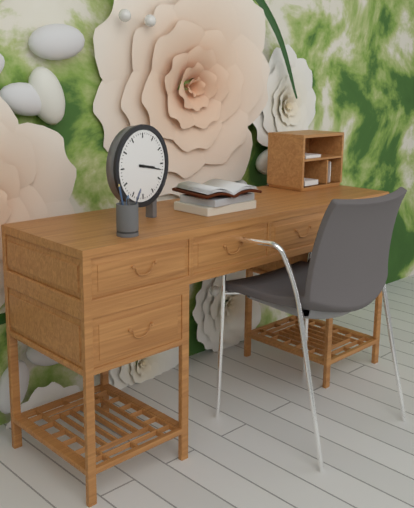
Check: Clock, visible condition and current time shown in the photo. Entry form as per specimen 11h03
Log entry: 3h17
